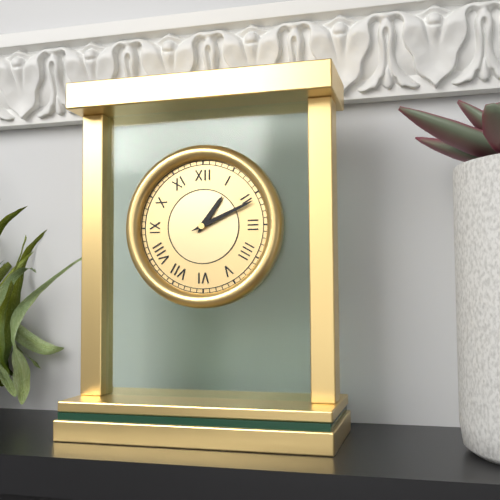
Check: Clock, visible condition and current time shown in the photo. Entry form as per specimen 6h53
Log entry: 1h11
